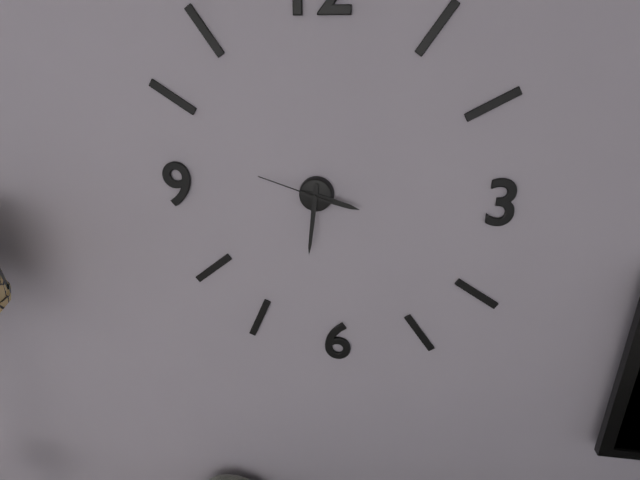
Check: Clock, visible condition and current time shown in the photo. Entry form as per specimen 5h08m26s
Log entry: 3h31m48s
